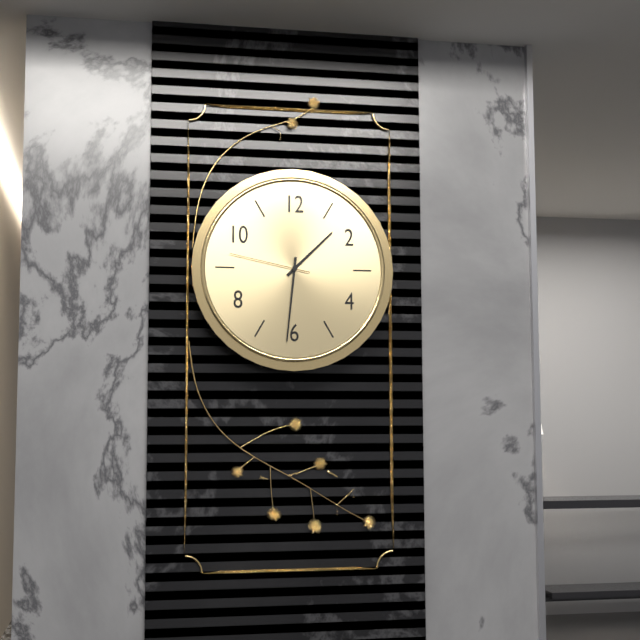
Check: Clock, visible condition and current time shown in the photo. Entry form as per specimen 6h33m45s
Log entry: 1h31m47s
